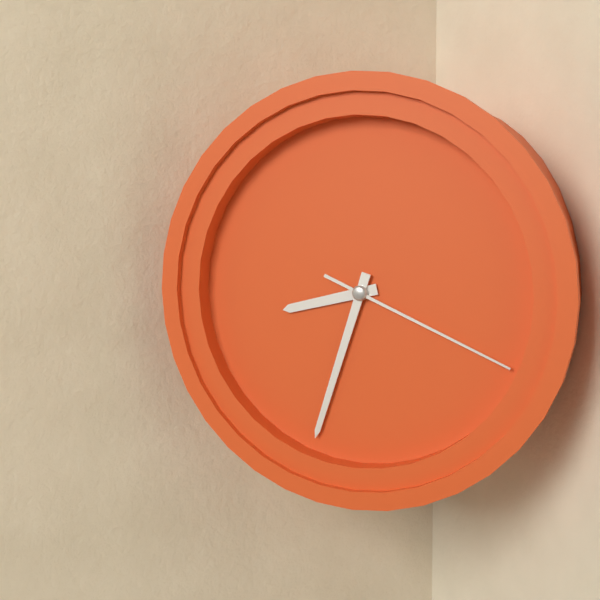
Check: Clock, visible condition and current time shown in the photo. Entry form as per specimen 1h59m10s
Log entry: 8h33m19s
